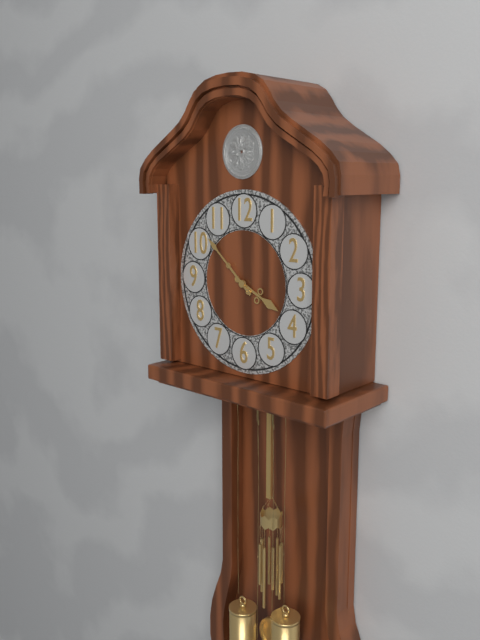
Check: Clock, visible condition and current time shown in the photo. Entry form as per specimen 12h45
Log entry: 3h52
